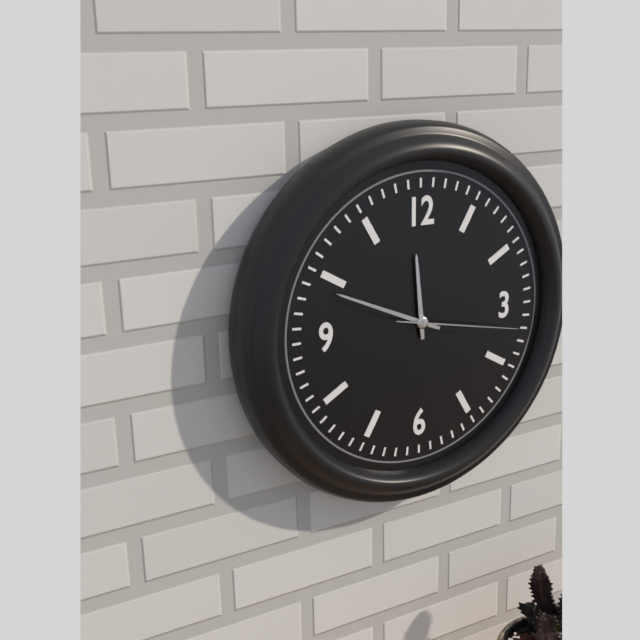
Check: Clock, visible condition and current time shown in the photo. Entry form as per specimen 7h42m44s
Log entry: 11h49m17s
